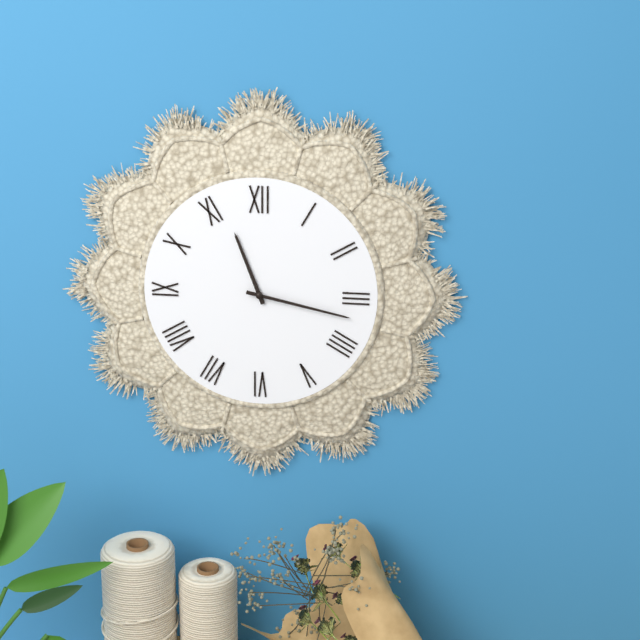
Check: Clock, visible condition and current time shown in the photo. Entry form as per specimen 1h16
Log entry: 11h17
